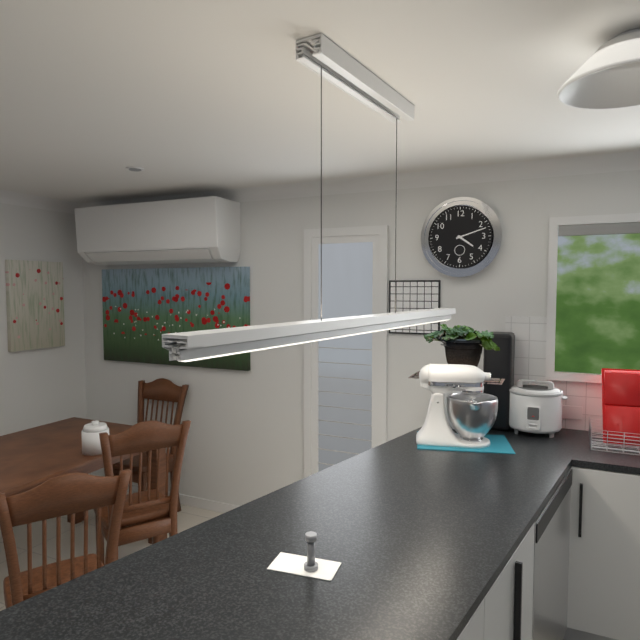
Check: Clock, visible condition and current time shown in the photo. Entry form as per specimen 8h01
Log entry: 4h12
